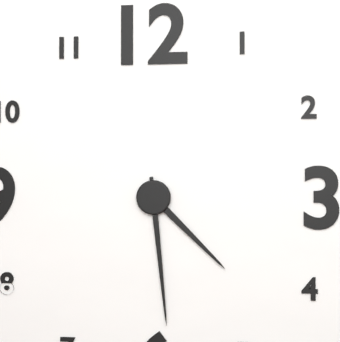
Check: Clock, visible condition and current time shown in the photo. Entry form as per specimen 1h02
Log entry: 4h29
